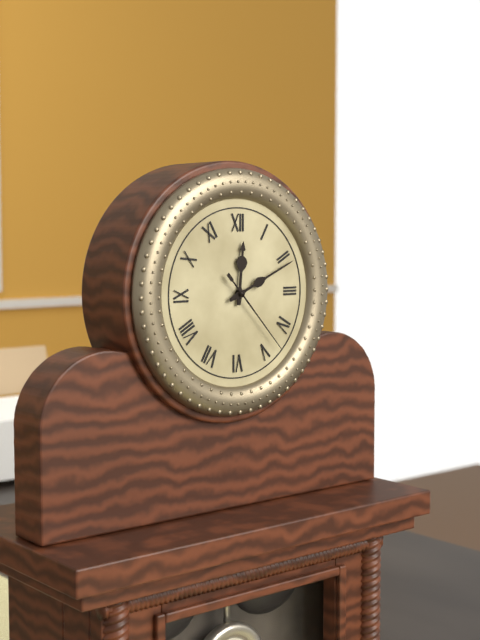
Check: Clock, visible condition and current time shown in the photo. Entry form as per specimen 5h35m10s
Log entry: 12h11m23s
